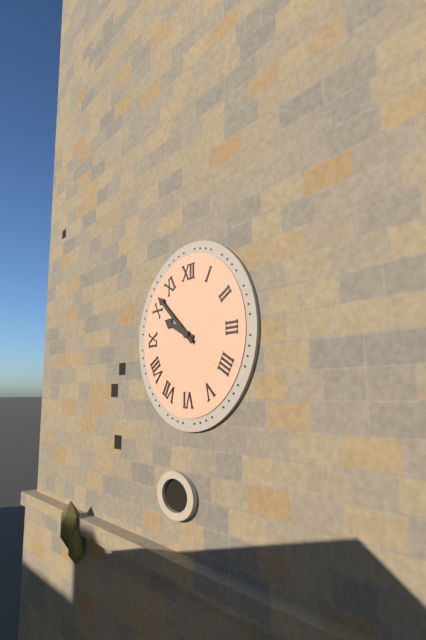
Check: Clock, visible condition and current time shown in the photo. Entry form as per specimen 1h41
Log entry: 9h52
